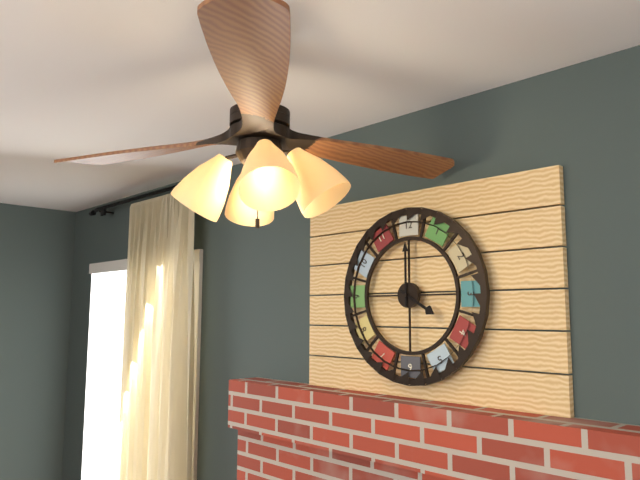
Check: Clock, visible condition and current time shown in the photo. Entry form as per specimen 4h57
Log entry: 4h00
